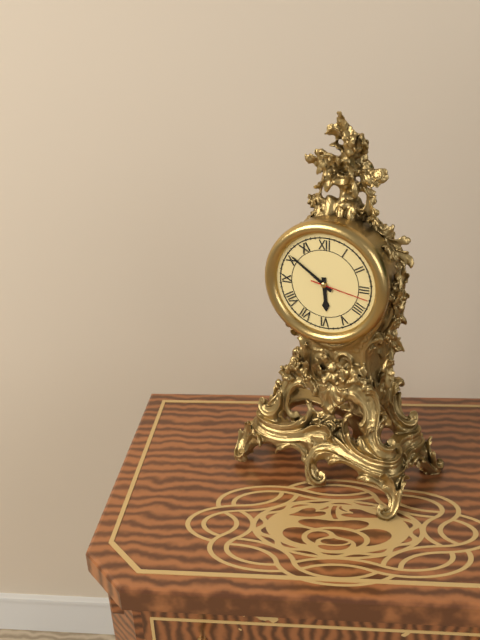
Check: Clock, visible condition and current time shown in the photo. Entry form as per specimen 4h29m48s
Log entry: 5h51m17s
